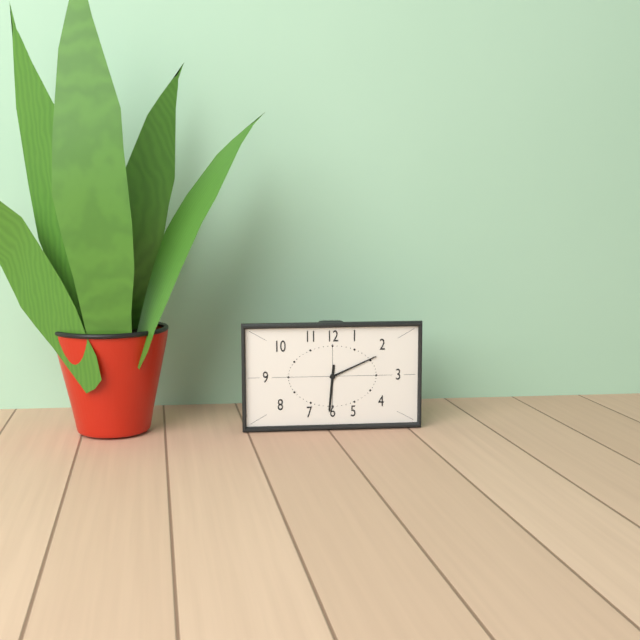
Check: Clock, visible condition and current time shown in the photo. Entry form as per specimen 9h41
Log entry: 6h11
